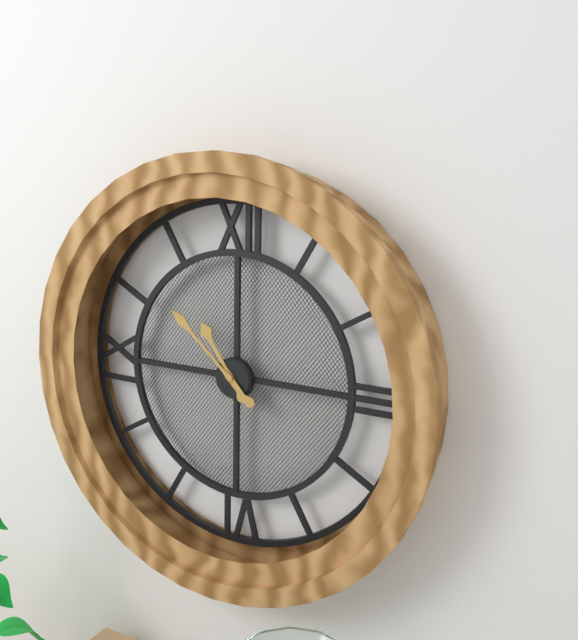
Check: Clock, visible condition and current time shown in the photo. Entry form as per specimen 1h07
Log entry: 10h52
